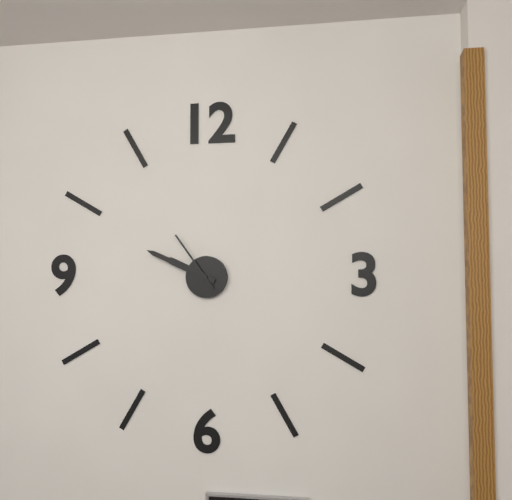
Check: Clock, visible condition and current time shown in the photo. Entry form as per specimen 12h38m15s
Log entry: 9h49m54s
